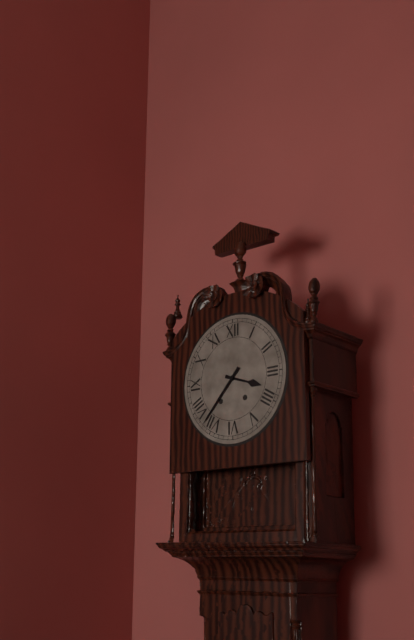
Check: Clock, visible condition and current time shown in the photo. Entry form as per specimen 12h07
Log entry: 3h37
